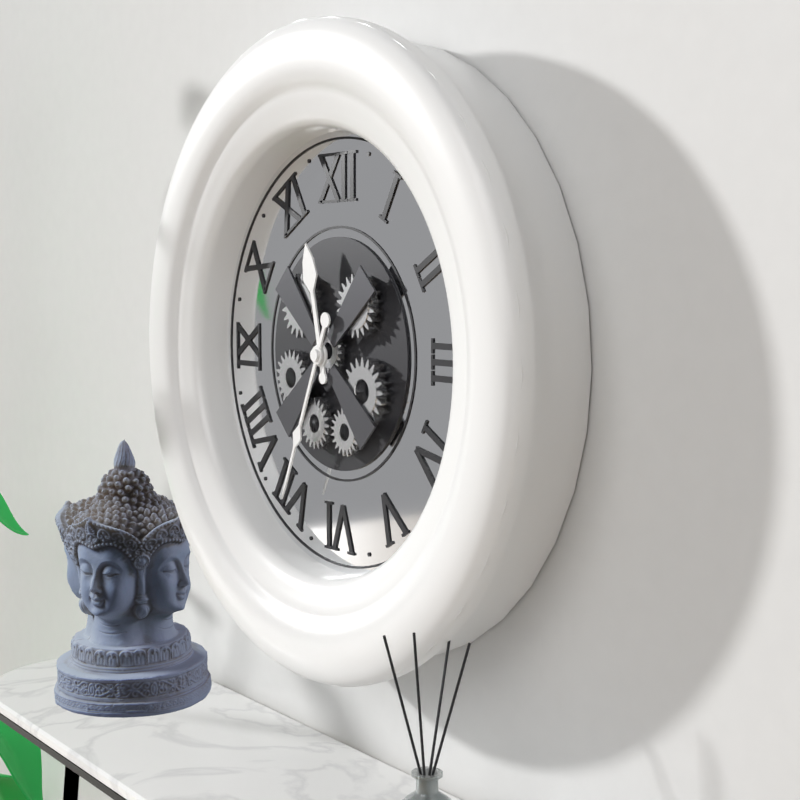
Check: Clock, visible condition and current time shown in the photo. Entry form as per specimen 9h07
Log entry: 11h34
